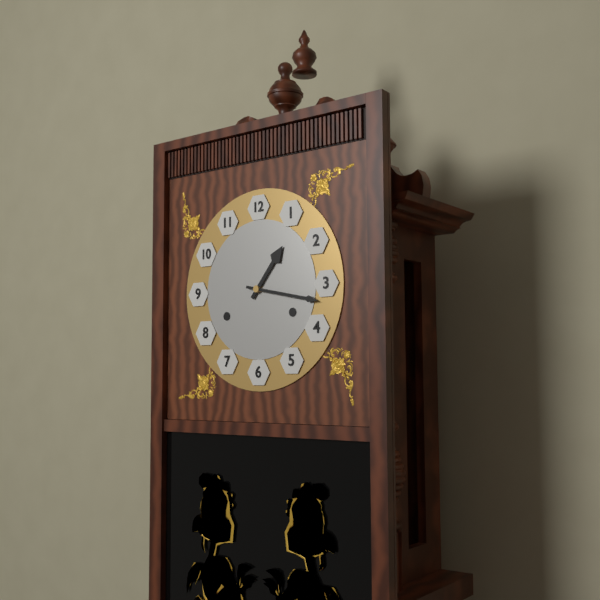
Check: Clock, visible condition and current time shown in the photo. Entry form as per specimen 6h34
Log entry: 1h17
